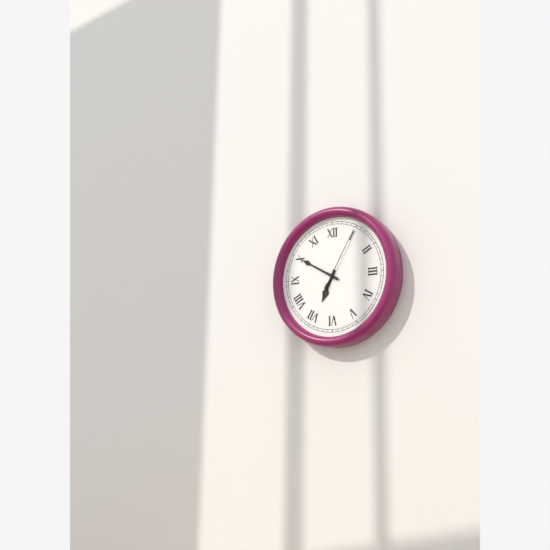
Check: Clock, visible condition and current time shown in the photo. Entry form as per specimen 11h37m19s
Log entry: 6h50m05s
